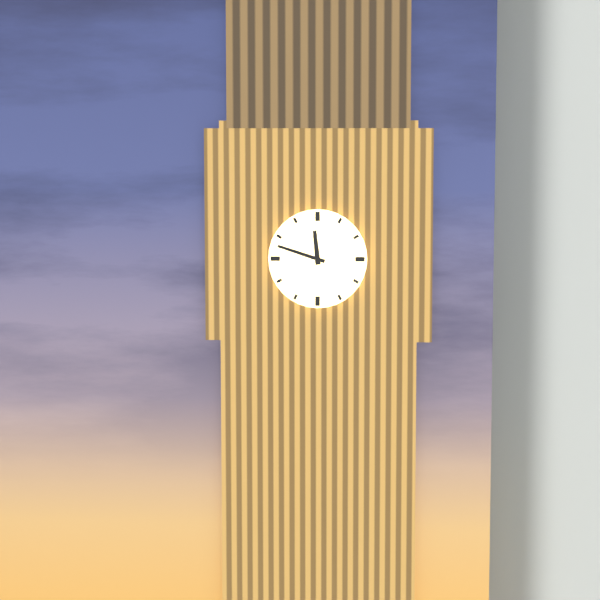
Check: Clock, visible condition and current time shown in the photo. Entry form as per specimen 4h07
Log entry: 11h48
